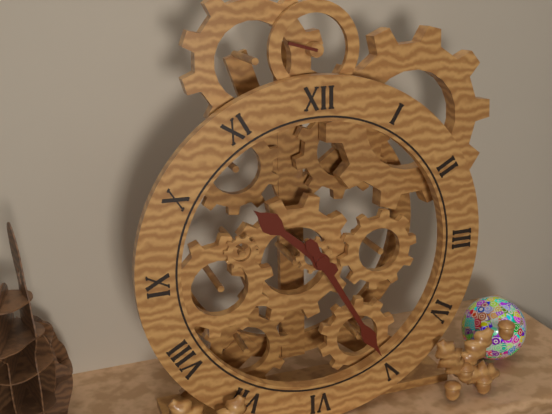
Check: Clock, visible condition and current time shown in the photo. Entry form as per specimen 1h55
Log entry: 10h25
